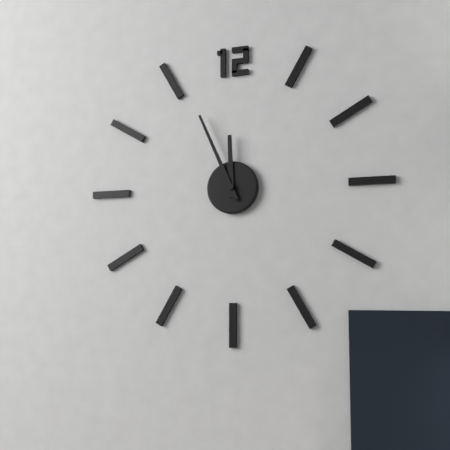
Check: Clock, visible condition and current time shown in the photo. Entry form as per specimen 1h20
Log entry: 11h56
